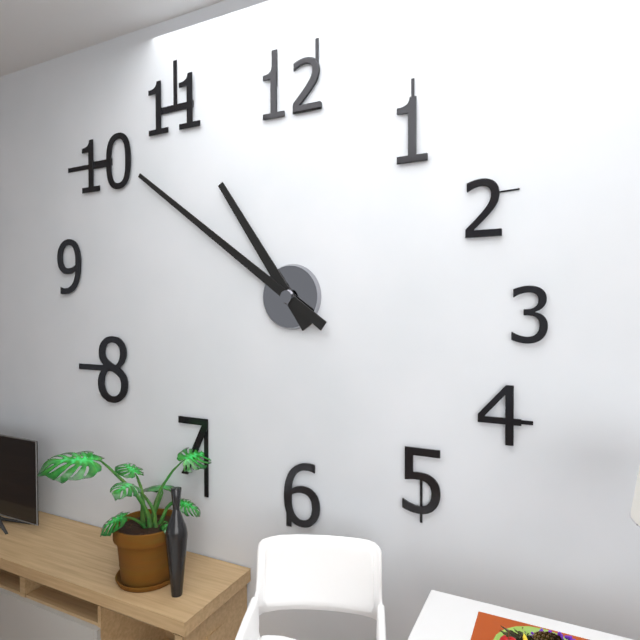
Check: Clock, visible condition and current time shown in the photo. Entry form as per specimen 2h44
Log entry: 10h51
